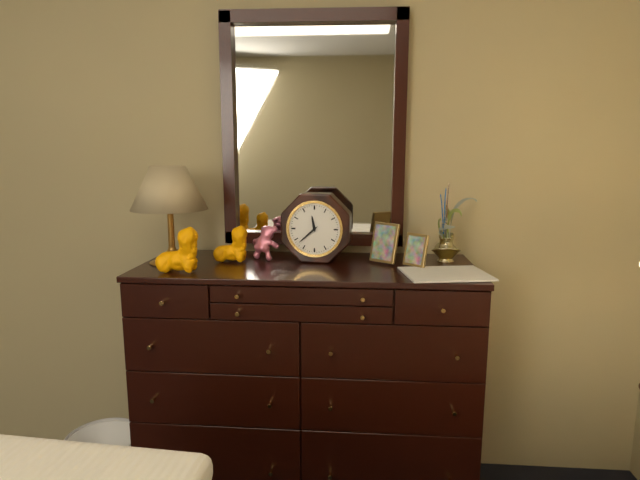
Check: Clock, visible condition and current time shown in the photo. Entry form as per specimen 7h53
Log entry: 11h38
